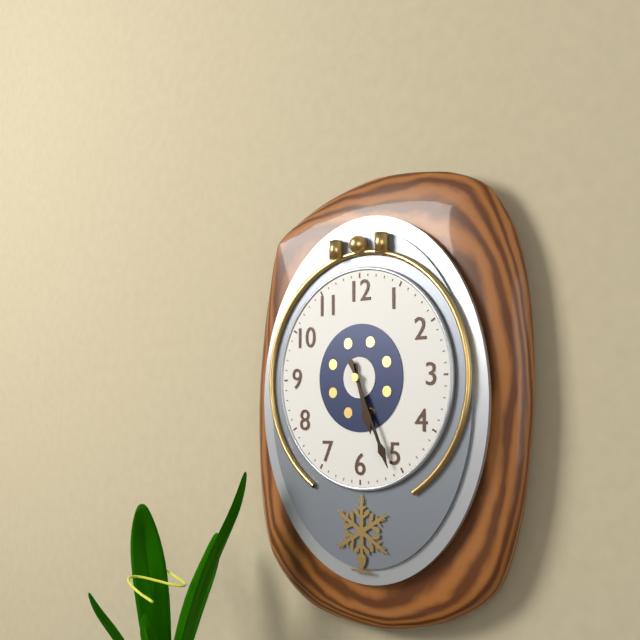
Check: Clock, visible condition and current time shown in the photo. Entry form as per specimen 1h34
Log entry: 5h26
